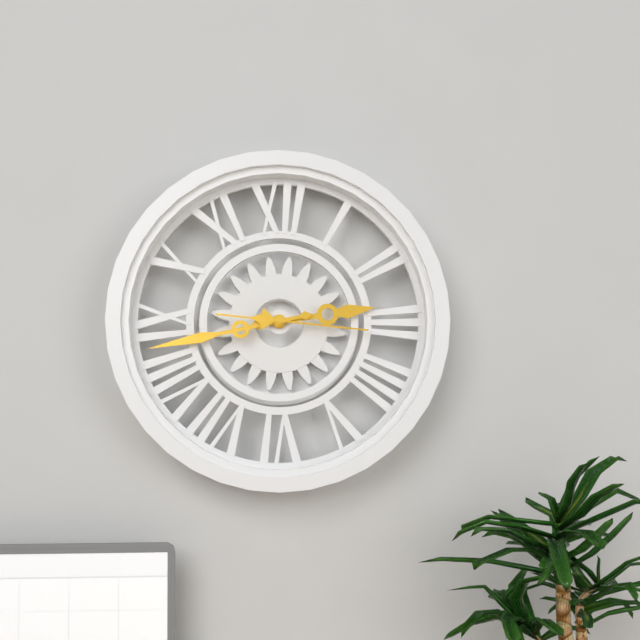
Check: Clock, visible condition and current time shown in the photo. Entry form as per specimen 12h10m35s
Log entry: 2h43m16s
